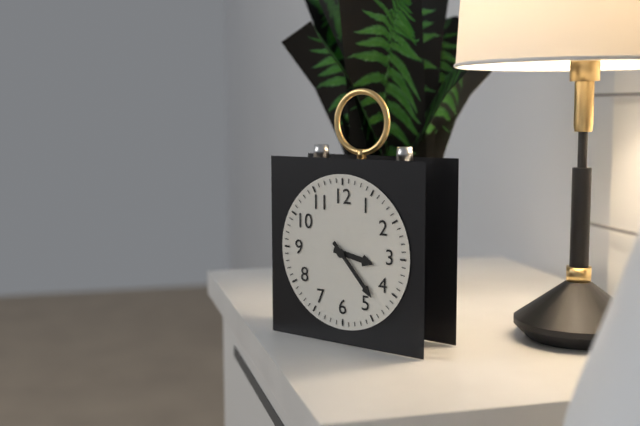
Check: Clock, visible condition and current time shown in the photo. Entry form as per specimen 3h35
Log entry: 3h23
